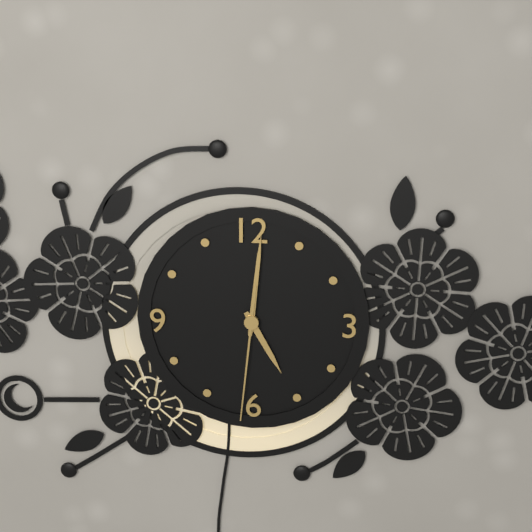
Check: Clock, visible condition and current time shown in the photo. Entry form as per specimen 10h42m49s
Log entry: 5h01m31s
